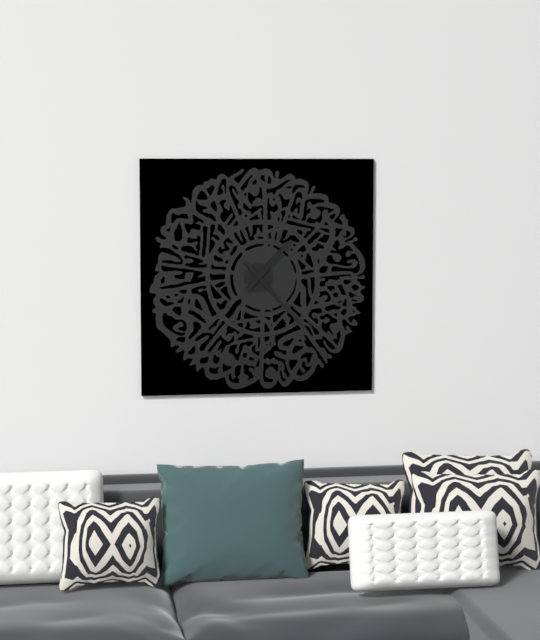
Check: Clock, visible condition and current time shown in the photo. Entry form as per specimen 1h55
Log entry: 1h23
